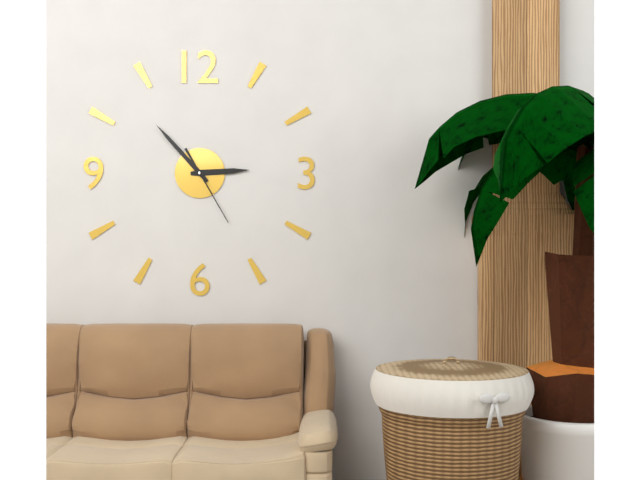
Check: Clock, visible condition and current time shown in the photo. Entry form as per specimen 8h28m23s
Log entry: 2h53m25s
